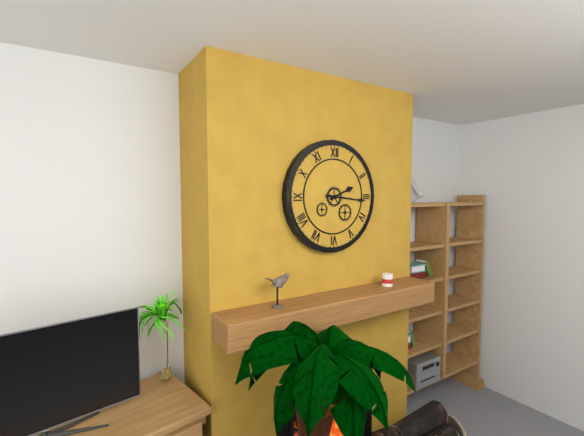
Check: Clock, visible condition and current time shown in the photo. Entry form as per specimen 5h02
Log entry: 2h16
